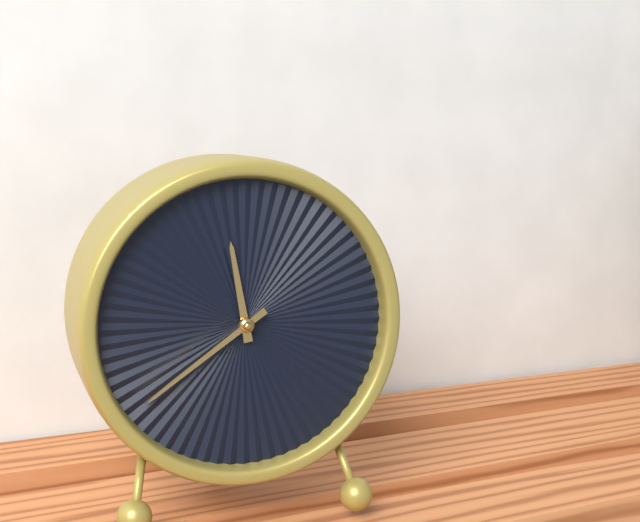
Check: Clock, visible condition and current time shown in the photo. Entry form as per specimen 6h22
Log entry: 11h39
